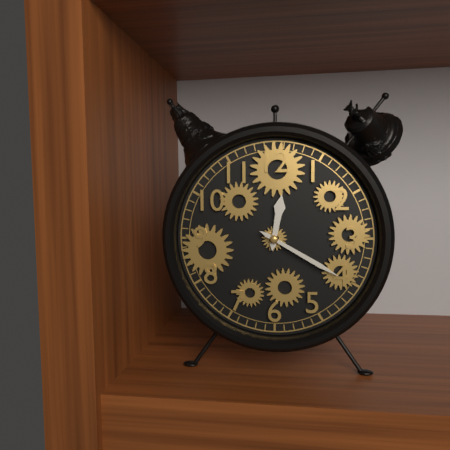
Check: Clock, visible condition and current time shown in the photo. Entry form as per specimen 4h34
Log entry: 12h20
